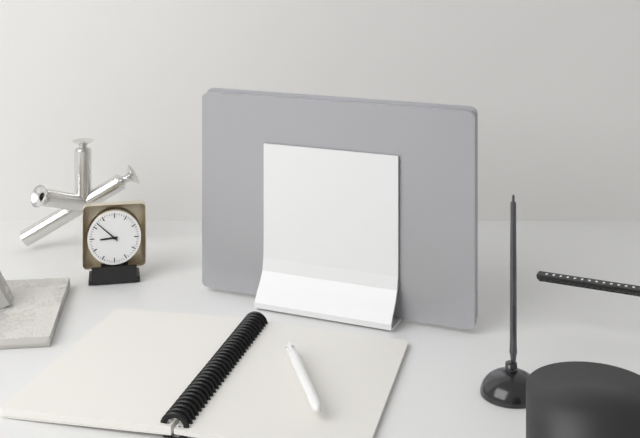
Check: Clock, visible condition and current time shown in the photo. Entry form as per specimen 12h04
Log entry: 8h52
